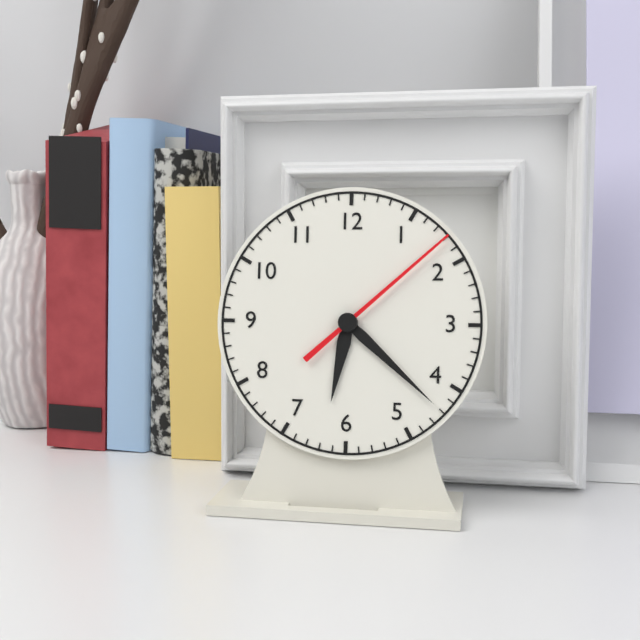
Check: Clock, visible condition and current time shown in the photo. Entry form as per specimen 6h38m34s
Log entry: 6h22m08s
